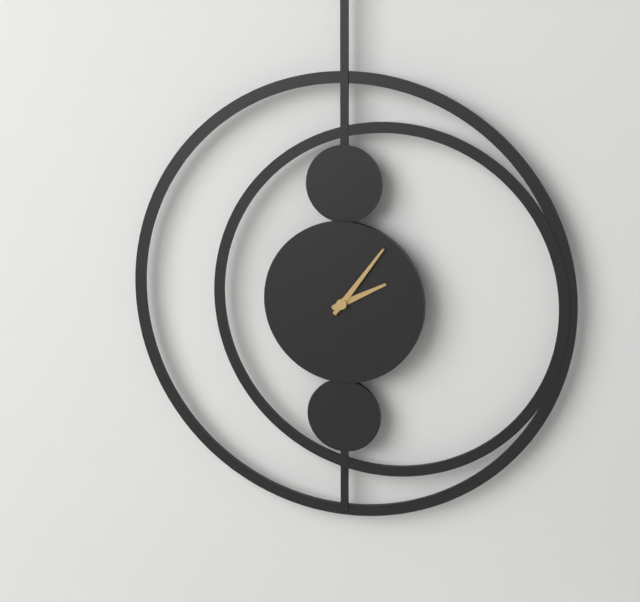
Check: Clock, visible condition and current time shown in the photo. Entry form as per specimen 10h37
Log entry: 2h06
